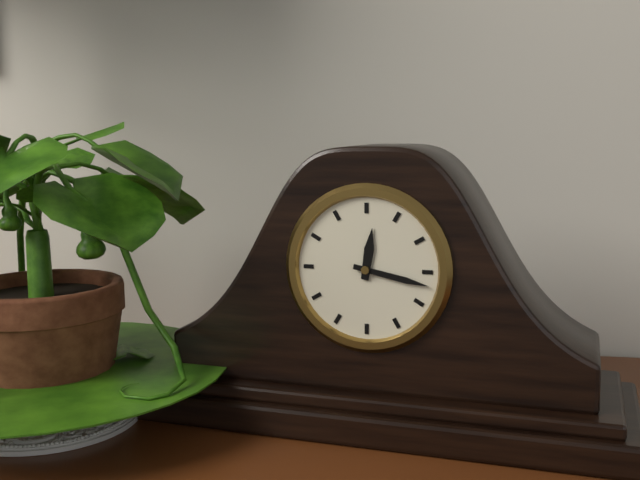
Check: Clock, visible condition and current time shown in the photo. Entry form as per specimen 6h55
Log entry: 12h17
